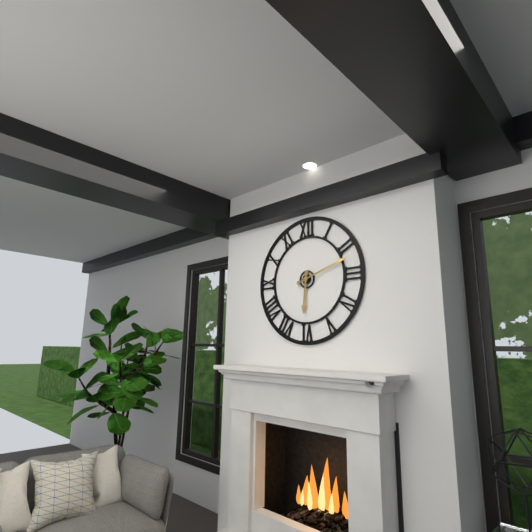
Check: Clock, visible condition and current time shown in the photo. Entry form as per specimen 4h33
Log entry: 6h12
